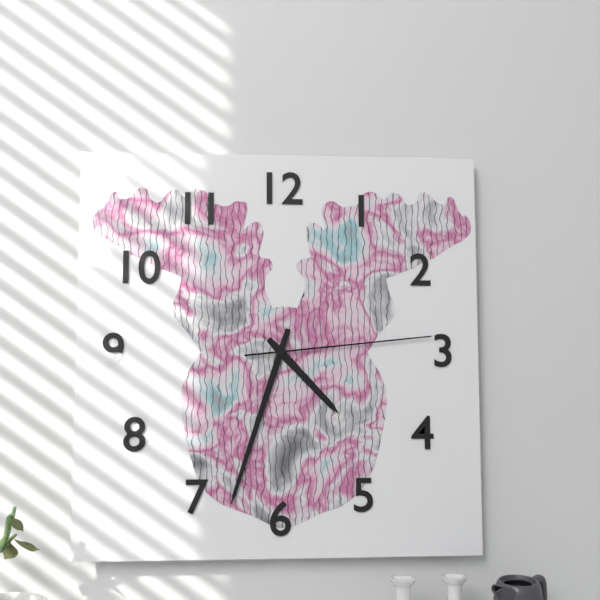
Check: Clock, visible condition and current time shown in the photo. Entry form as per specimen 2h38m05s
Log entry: 4h33m14s
